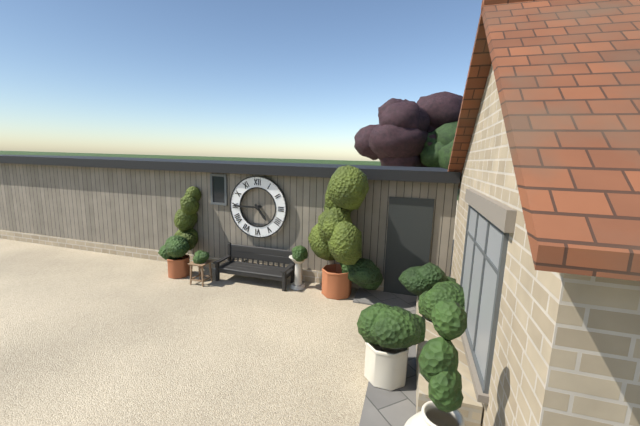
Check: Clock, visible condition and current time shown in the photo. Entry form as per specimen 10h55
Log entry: 4h45
